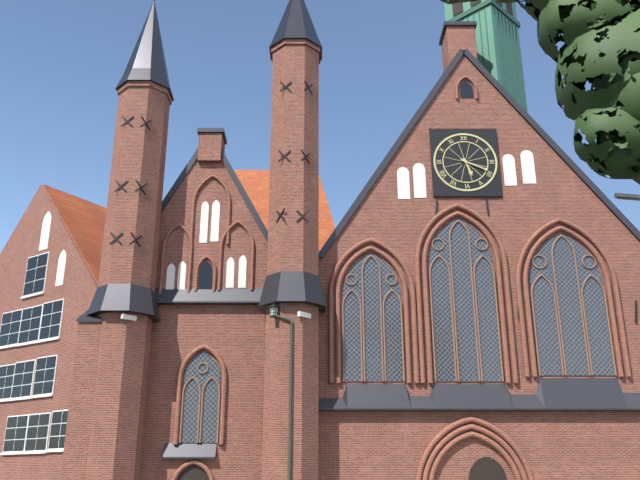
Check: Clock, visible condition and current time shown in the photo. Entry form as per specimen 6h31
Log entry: 5h19
